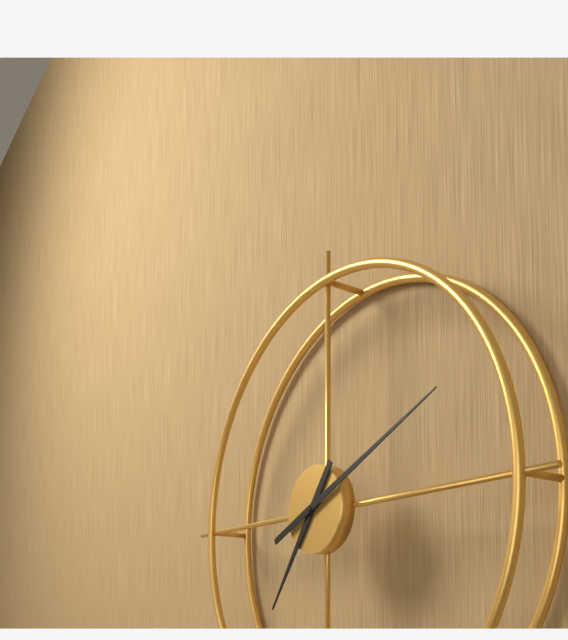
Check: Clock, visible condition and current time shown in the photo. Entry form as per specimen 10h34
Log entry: 7h11
